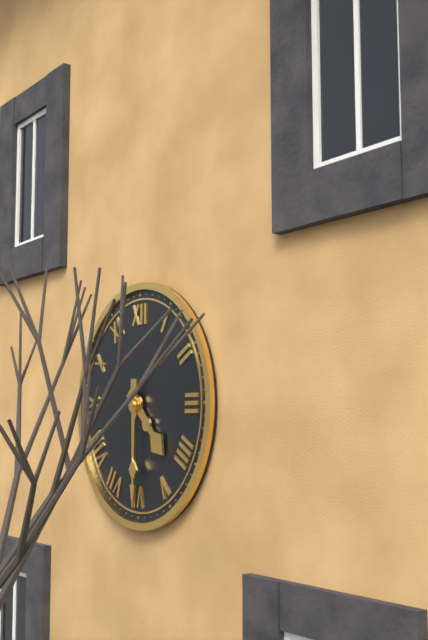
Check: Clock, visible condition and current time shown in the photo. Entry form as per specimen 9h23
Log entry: 4h30
